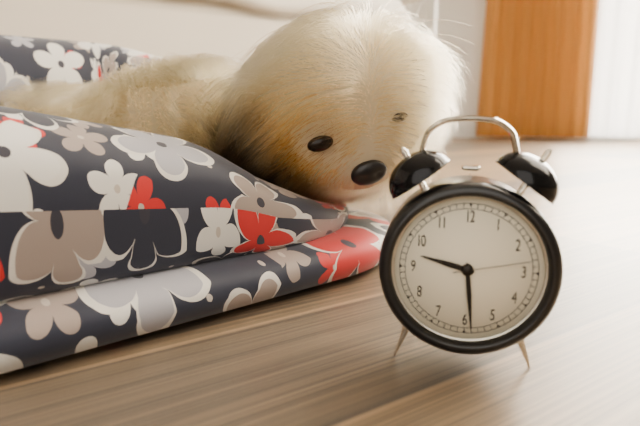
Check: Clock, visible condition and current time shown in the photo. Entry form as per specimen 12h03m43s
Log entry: 9h29m13s
